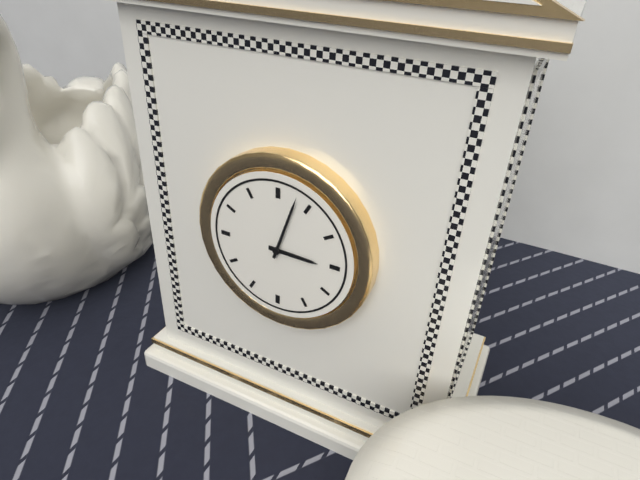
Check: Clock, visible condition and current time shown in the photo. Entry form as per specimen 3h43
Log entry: 3h03
